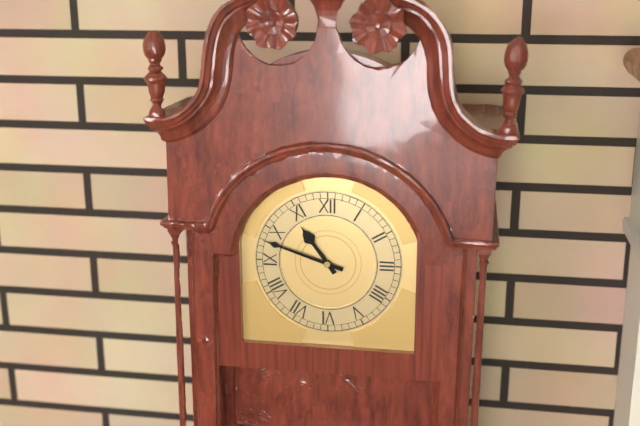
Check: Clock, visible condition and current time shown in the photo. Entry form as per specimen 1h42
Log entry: 10h48
